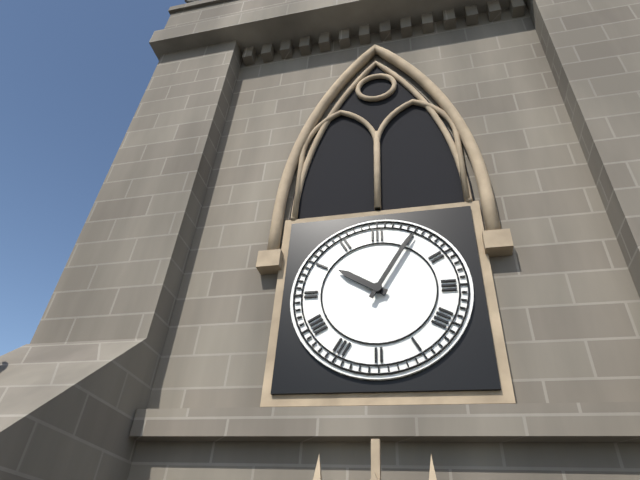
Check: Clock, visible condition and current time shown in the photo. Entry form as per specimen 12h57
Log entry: 10h05
